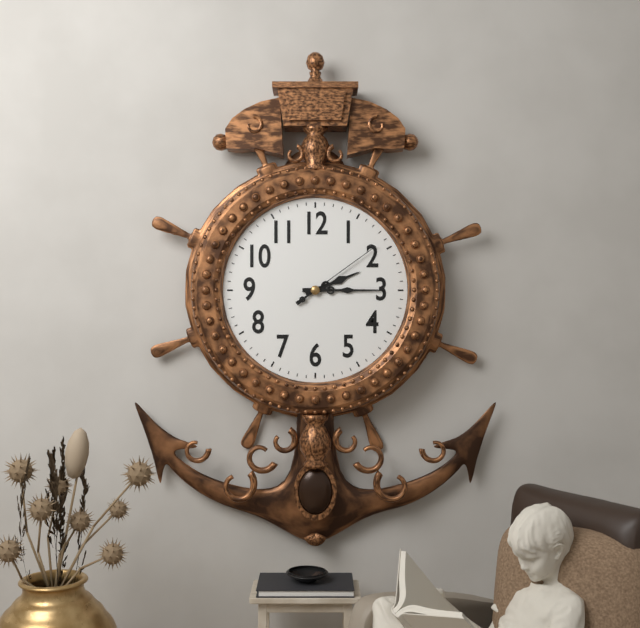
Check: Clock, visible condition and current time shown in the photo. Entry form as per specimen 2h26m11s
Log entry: 2h15m09s
